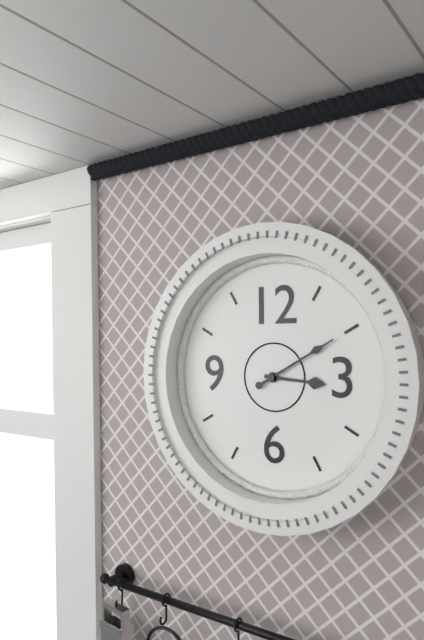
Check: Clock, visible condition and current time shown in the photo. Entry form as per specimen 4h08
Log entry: 3h10
